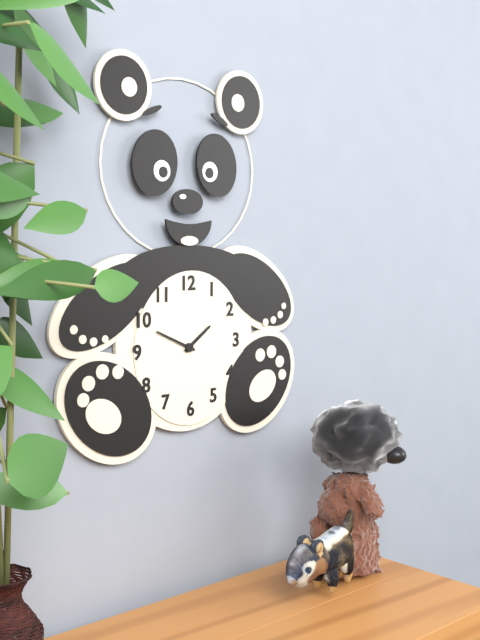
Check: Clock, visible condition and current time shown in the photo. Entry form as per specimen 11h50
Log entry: 1h49
